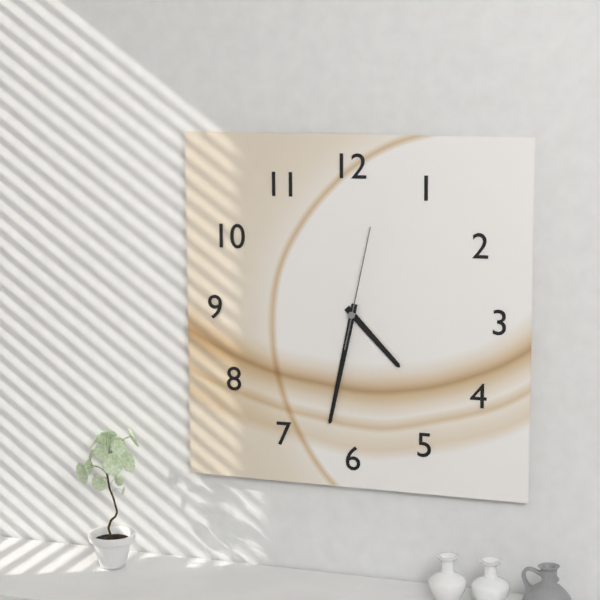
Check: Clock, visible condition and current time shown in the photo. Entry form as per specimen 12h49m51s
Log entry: 4h32m02s
